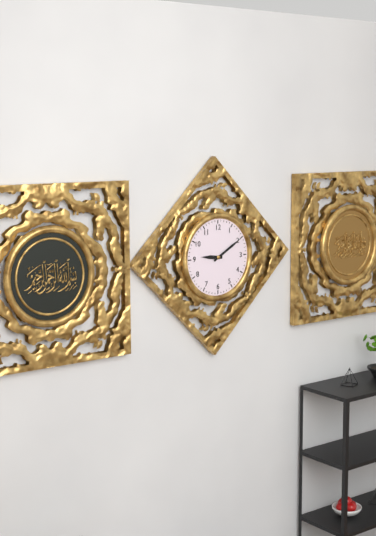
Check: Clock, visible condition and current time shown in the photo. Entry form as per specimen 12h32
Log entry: 9h10
